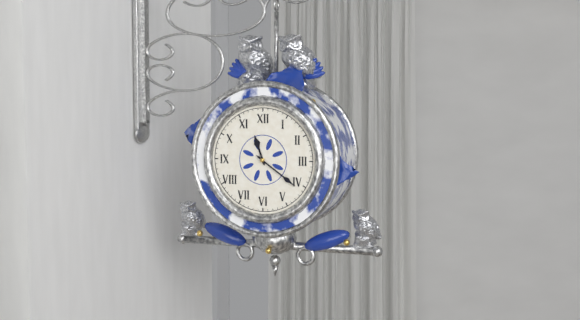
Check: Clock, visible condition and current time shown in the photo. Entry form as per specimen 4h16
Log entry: 11h21
